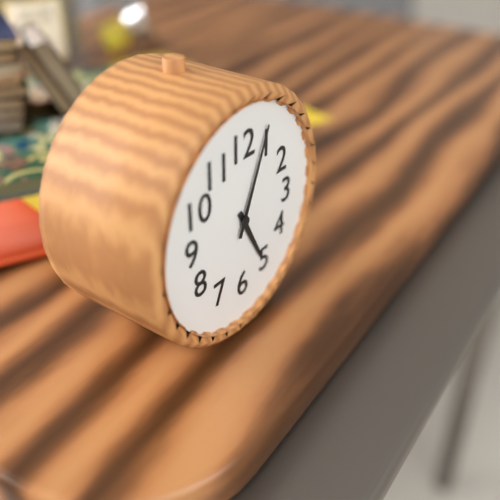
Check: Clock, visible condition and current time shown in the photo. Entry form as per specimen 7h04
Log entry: 5h04
